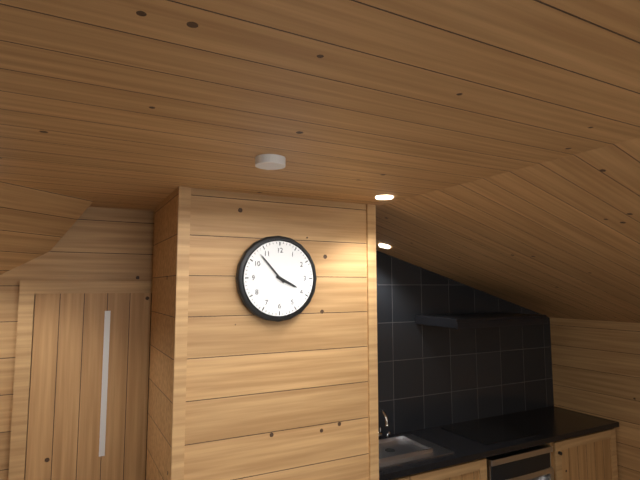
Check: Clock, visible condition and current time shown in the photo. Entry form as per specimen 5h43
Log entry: 3h53
